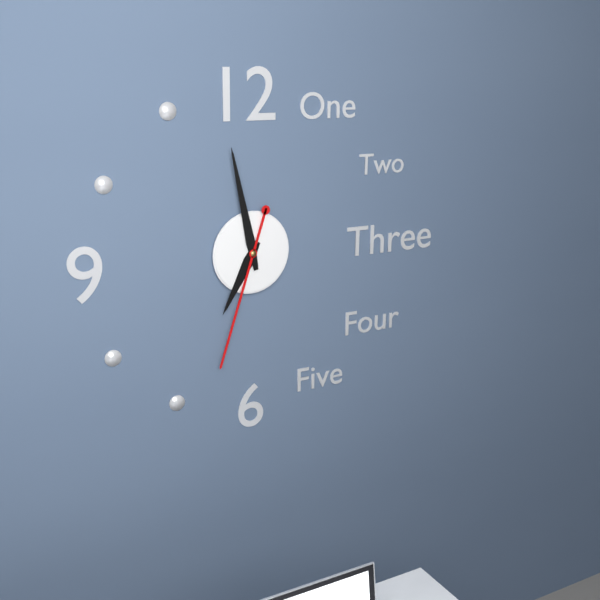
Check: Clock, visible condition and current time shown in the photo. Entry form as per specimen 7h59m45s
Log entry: 6h58m33s
